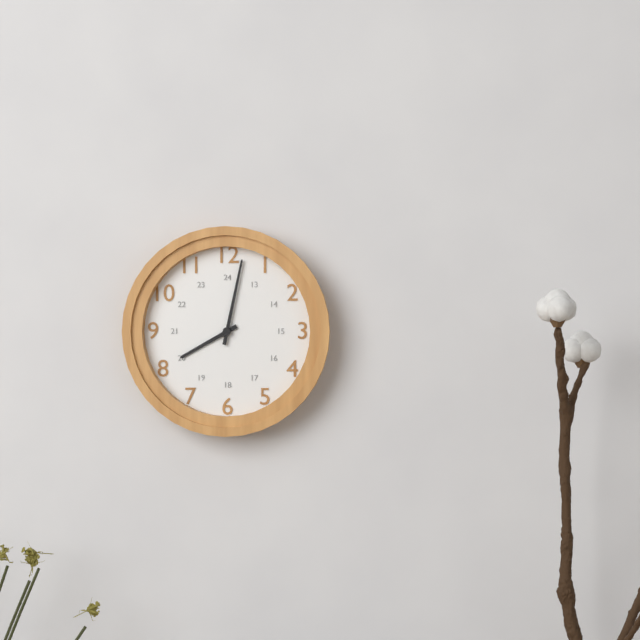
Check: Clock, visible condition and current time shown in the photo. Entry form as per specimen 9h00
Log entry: 8h02
